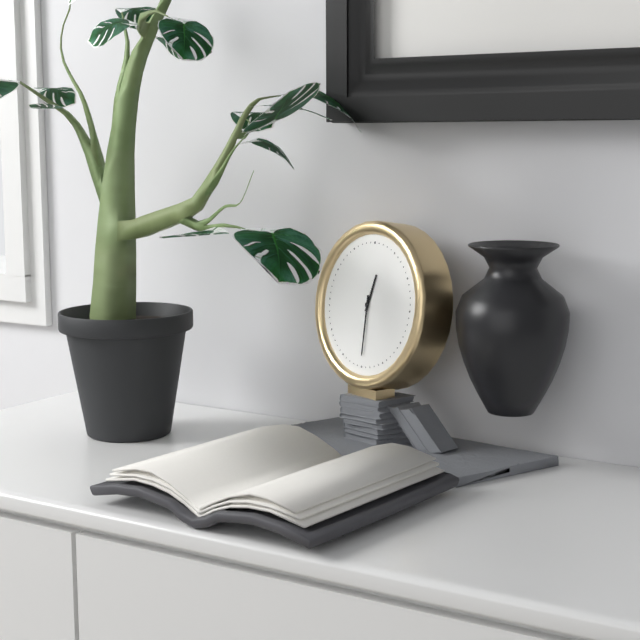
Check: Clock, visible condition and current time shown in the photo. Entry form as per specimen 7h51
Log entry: 12h30
